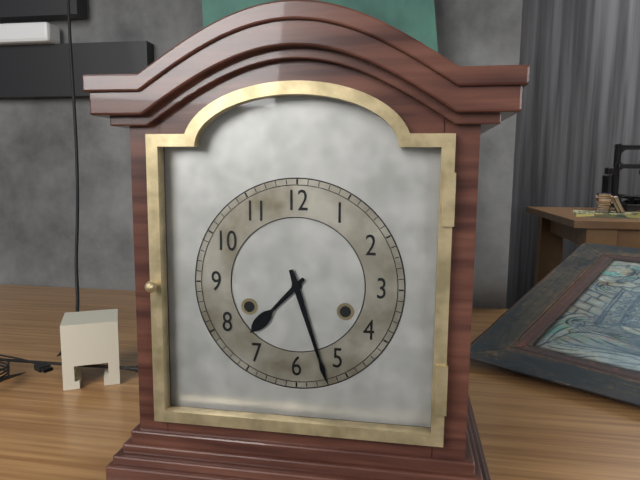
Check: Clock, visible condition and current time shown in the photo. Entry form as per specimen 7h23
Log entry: 7h27
